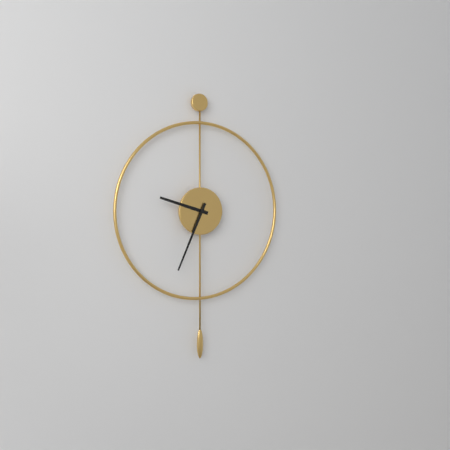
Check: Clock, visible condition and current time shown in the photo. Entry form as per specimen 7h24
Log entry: 9h34
